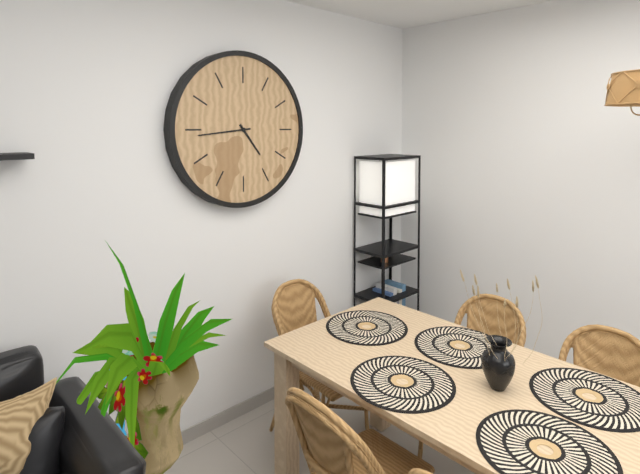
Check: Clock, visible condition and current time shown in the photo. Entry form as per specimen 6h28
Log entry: 4h44
